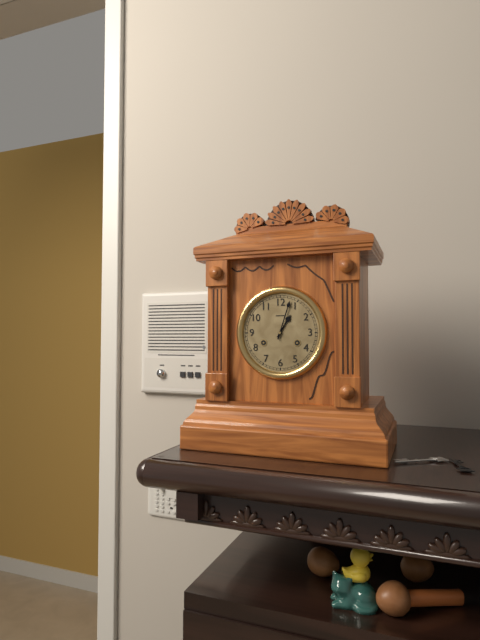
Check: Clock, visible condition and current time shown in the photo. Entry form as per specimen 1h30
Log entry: 1h03
